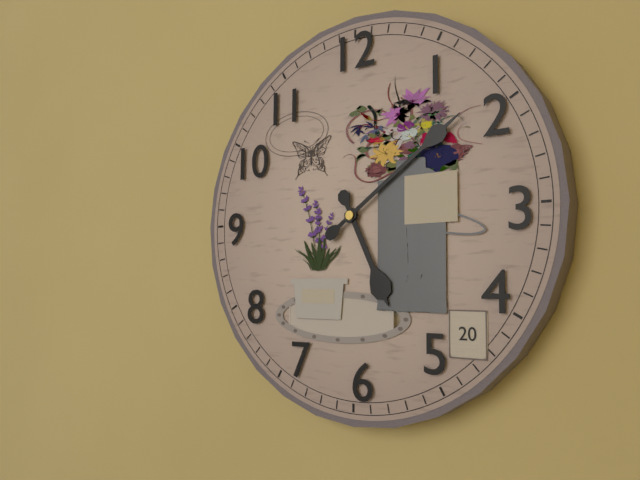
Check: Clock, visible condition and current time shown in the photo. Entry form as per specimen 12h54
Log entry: 5h09
